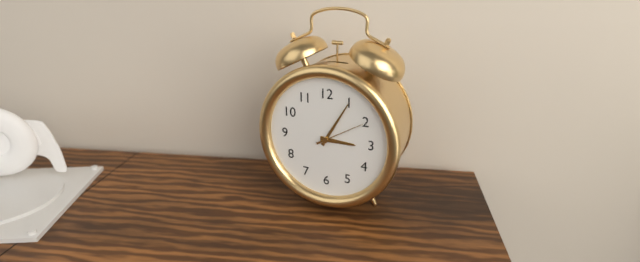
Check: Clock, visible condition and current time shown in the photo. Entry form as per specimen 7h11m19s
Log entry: 3h05m10s
